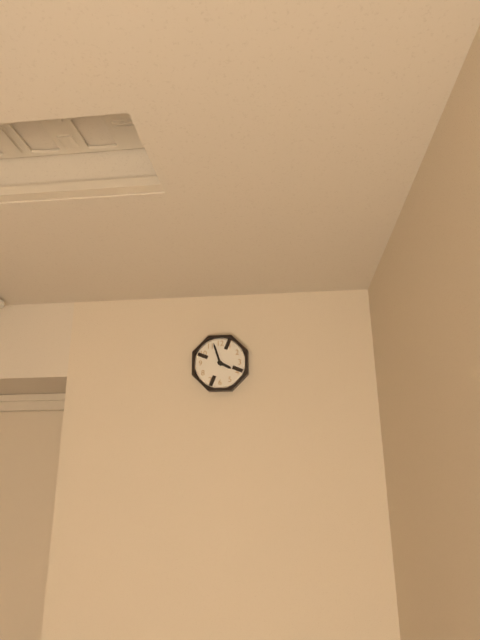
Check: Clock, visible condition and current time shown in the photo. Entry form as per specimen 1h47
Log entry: 3h57
